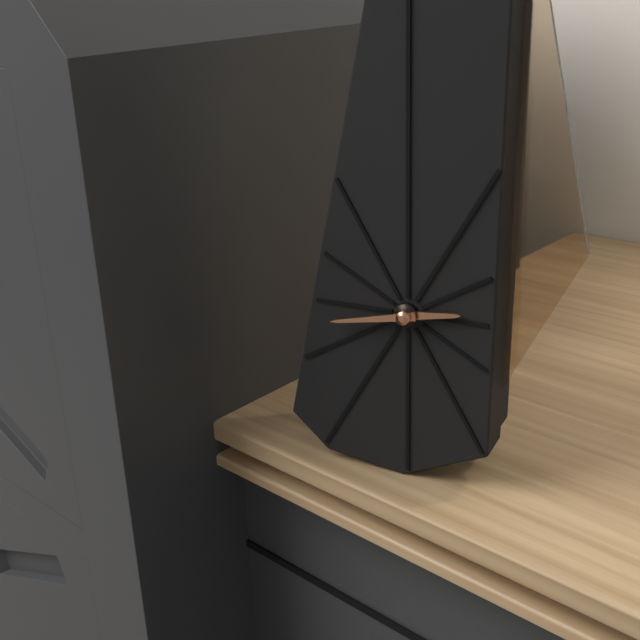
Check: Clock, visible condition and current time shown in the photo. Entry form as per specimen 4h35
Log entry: 2h43
